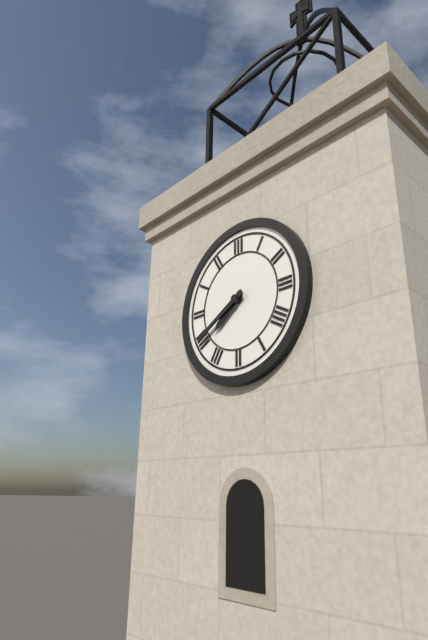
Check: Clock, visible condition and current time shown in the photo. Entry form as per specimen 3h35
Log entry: 7h40
